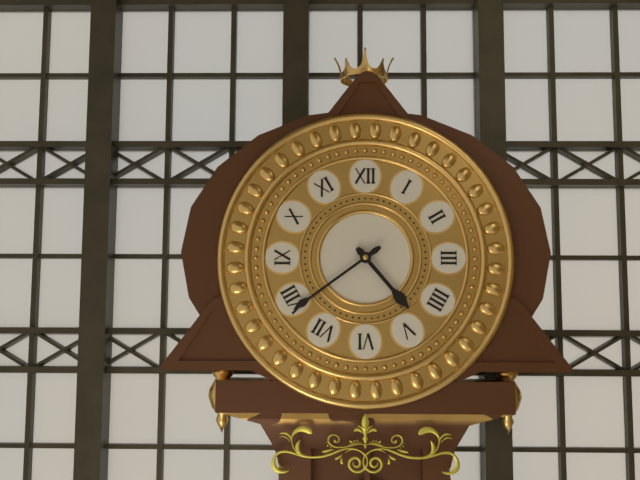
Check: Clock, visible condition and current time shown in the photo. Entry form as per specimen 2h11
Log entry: 4h39
